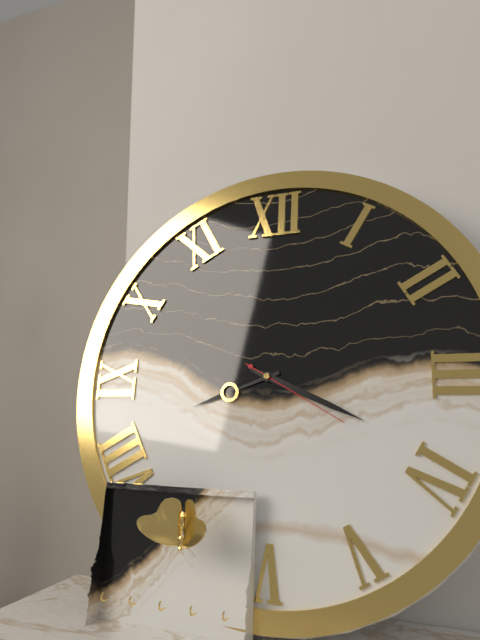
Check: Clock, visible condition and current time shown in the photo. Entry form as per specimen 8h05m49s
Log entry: 8h19m20s
